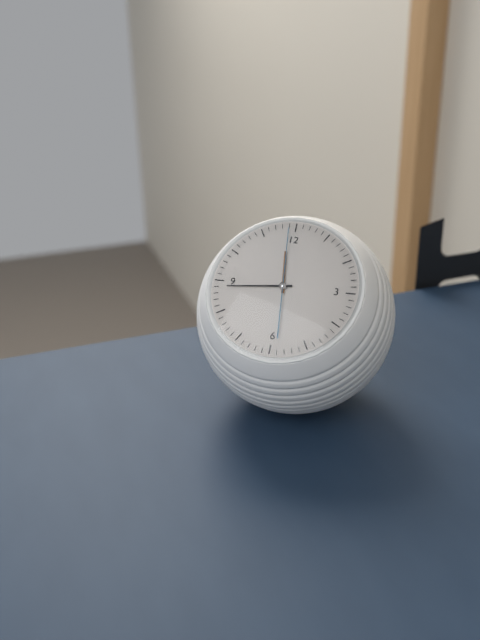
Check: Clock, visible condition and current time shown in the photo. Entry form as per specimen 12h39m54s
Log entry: 11h44m59s
